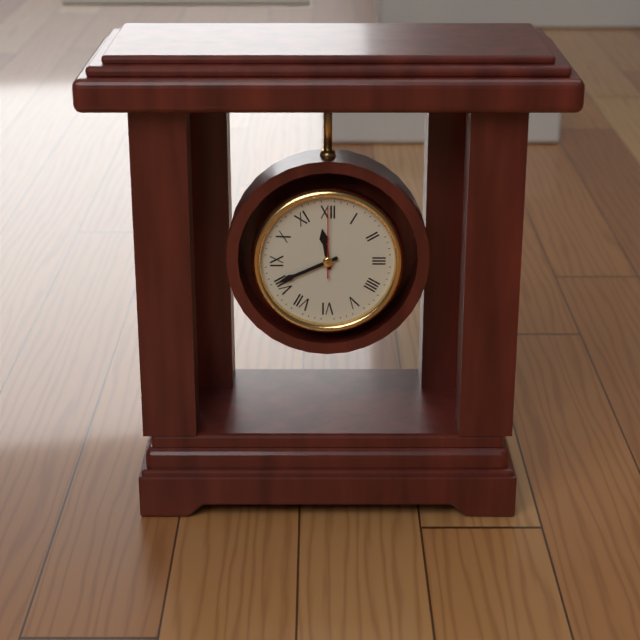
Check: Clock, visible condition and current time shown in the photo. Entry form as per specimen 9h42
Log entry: 11h41
